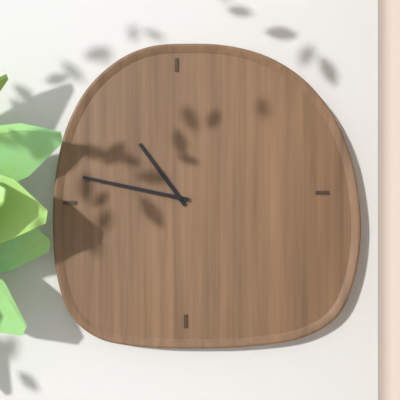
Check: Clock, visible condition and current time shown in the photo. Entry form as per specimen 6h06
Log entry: 10h47
